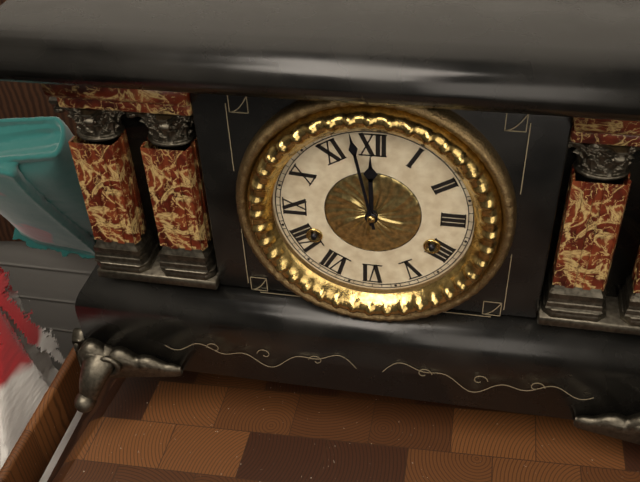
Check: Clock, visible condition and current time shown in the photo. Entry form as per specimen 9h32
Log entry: 11h58
